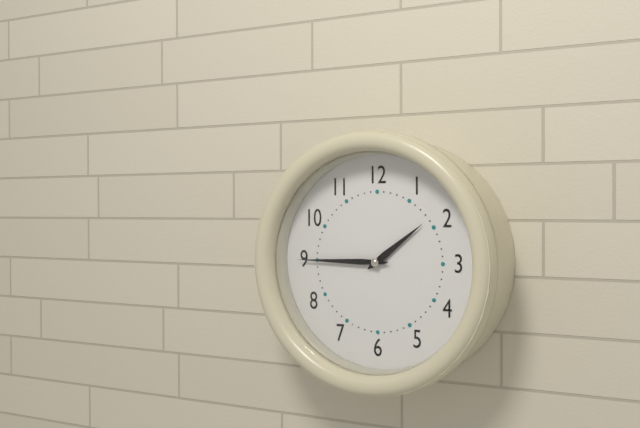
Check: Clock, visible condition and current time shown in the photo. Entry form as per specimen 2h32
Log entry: 1h45
